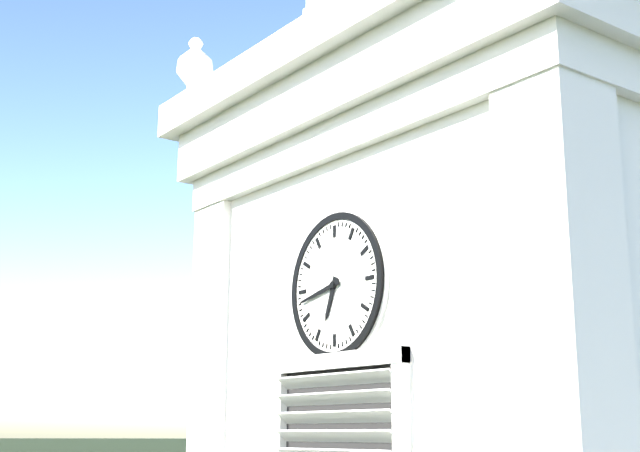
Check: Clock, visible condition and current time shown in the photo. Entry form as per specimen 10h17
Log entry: 6h43
